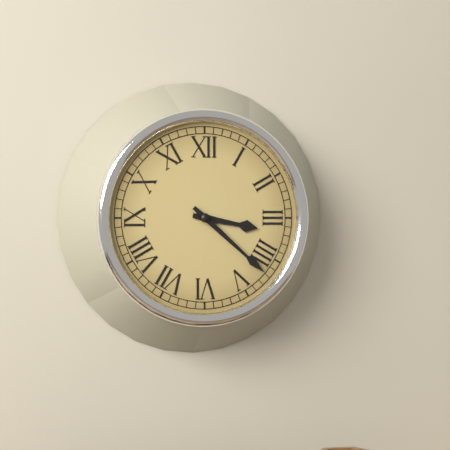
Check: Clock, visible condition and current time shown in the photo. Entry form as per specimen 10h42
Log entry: 3h22
